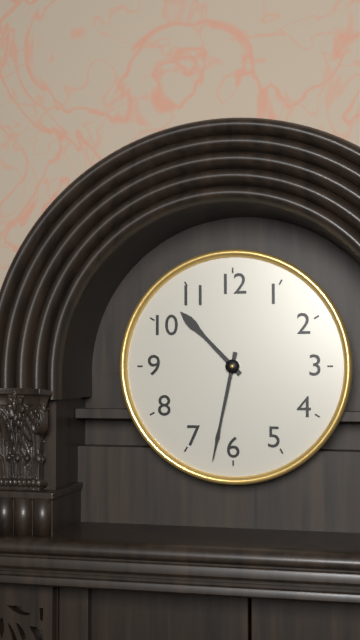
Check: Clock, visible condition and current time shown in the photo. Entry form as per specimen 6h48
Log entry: 10h32
